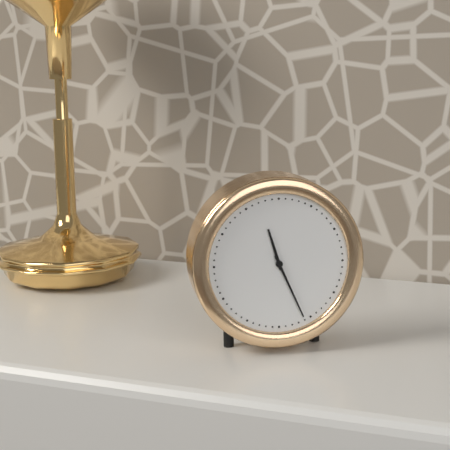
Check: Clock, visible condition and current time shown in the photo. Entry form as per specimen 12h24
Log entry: 11h26
